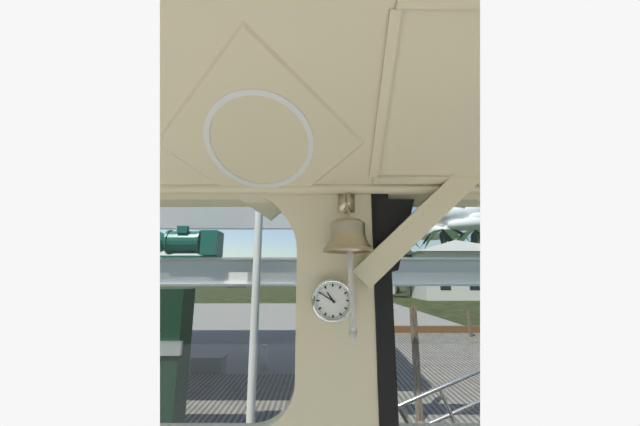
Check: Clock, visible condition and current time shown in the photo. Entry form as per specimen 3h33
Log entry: 10h50
